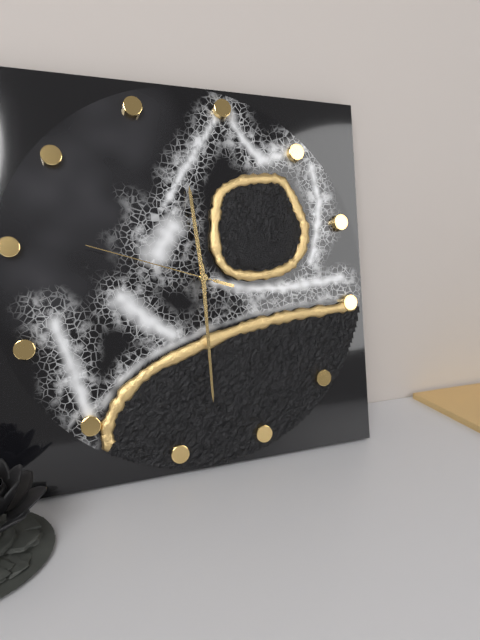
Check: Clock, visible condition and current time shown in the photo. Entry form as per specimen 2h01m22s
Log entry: 11h28m46s
